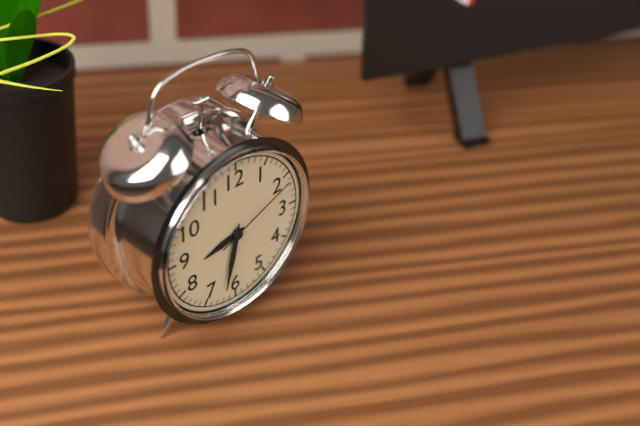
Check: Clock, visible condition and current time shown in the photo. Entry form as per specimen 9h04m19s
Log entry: 8h32m11s
